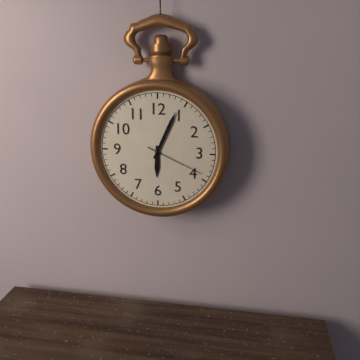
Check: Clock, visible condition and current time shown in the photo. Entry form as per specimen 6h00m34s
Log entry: 6h04m19s
